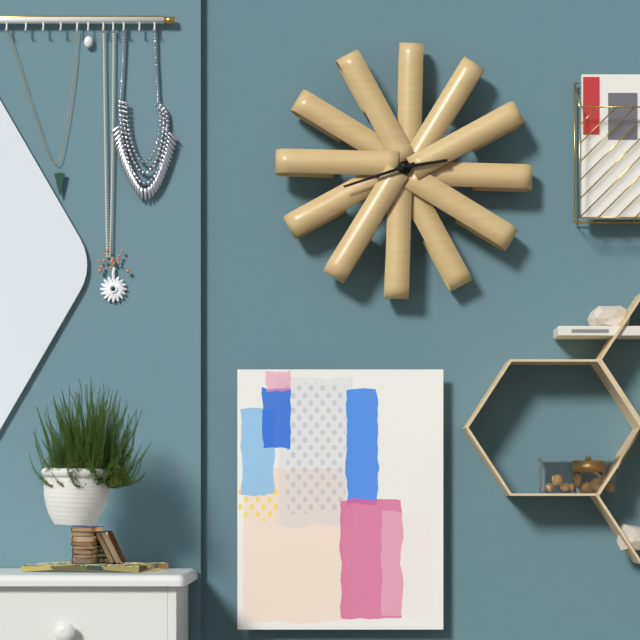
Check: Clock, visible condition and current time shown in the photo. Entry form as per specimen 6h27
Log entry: 2h42
